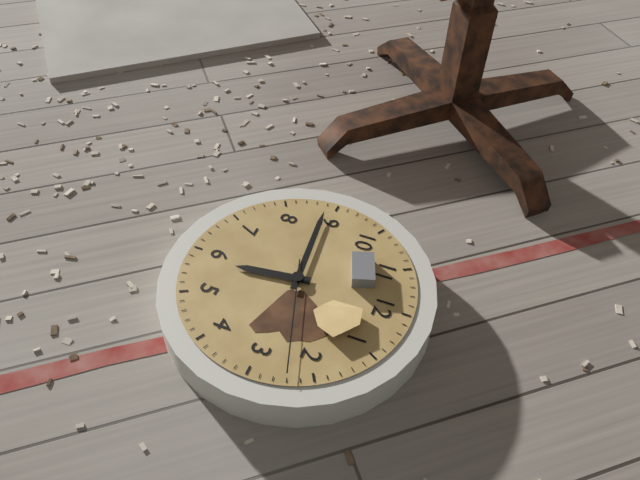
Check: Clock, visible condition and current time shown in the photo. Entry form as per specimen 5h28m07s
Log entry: 5h44m12s
